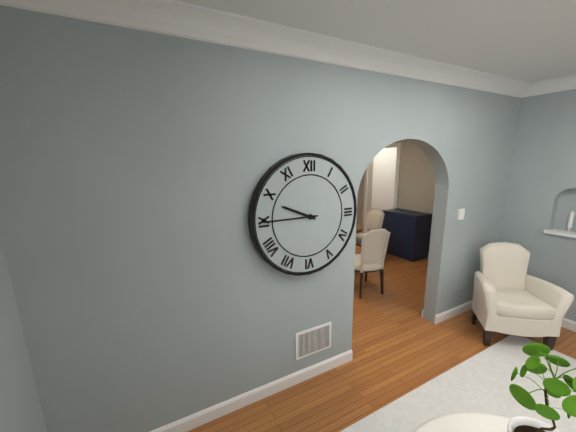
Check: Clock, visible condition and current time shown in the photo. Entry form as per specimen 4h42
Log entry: 9h45
